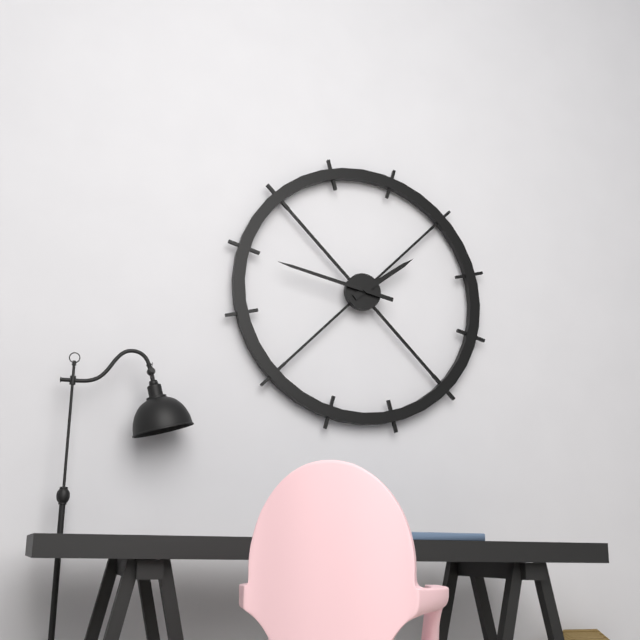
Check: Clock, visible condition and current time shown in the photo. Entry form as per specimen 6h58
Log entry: 1h47
